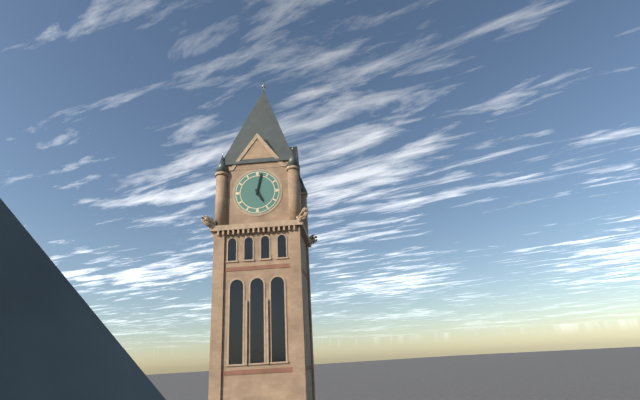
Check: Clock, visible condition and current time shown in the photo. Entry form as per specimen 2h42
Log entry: 5h02
